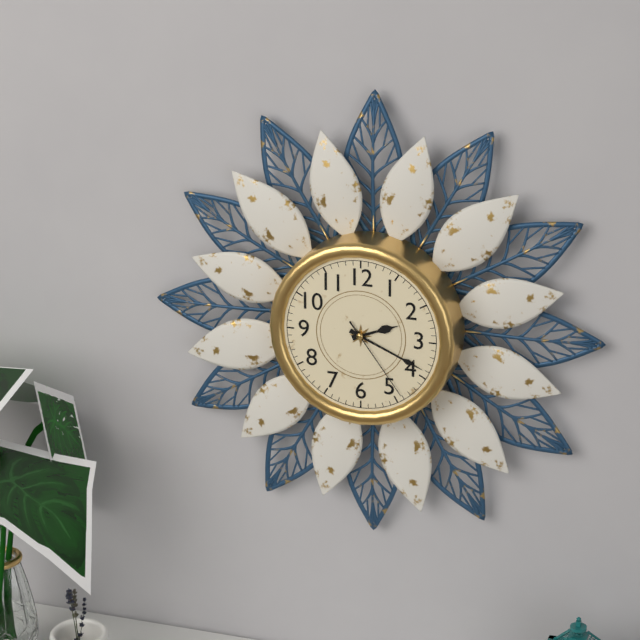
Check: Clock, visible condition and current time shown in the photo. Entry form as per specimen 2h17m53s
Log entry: 2h19m24s
